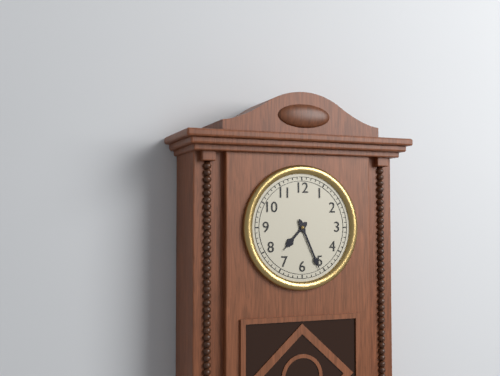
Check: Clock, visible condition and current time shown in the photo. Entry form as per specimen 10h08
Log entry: 7h26
